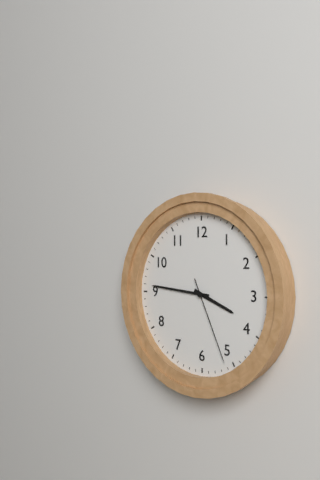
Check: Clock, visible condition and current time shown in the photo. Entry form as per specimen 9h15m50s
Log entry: 3h46m26s
